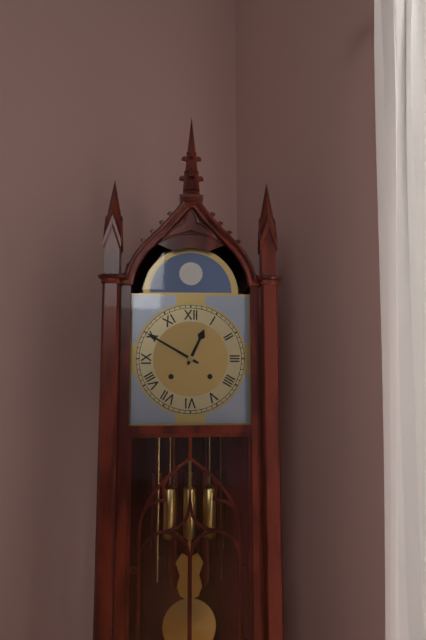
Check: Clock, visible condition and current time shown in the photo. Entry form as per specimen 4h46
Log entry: 12h50
